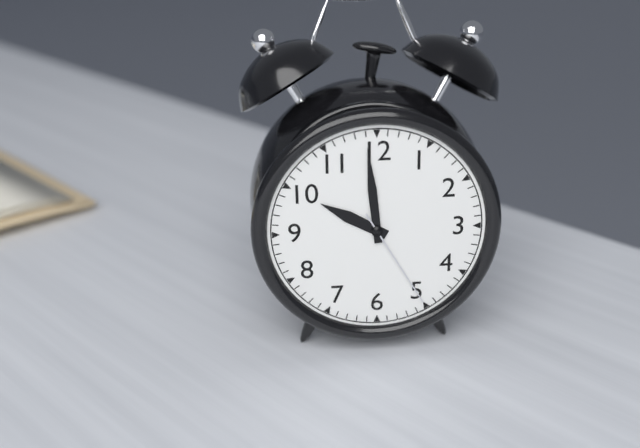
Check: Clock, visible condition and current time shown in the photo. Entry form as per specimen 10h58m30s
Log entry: 9h59m25s
